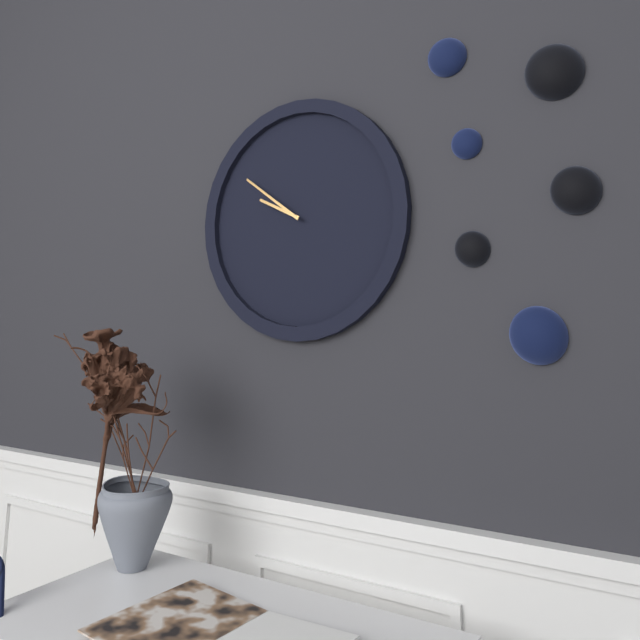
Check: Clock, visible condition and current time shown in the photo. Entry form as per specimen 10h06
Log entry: 9h51
